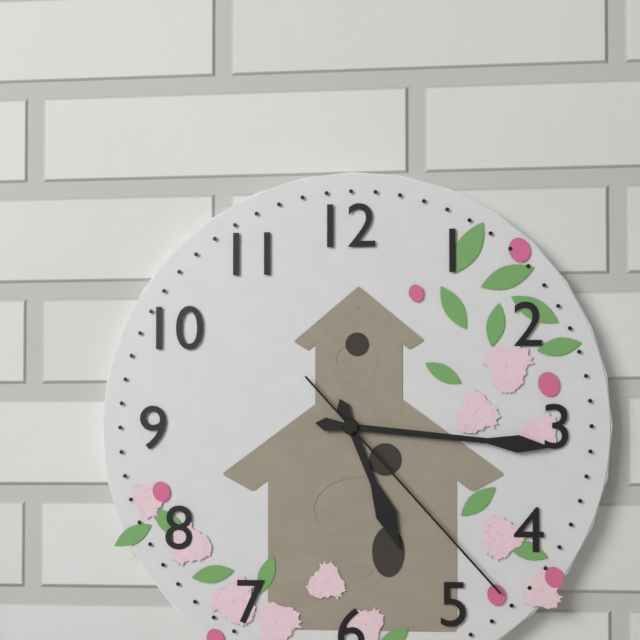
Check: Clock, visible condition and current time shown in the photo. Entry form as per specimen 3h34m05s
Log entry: 5h16m23s
